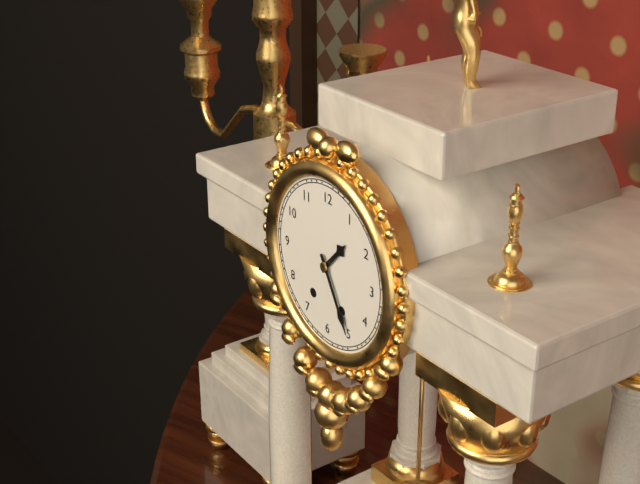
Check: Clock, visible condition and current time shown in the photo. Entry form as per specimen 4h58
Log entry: 1h25
